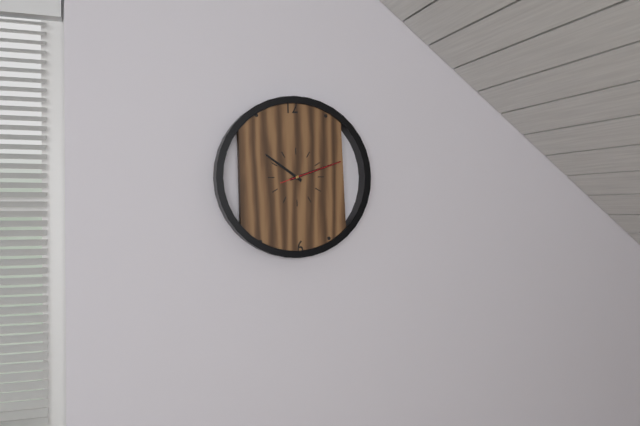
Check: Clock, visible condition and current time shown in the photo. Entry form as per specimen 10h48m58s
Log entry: 10h12m12s
